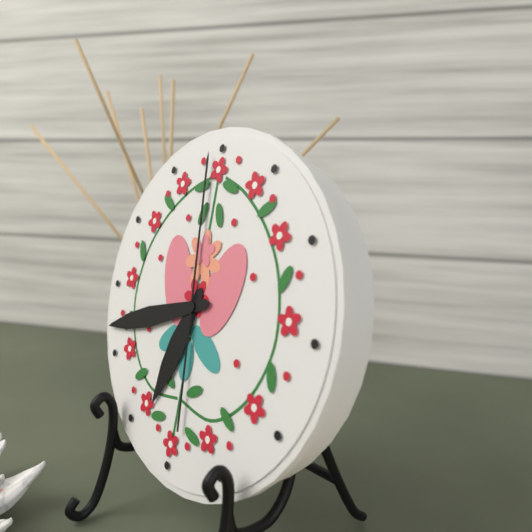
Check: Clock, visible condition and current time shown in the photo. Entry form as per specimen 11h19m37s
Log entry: 6h42m59s
